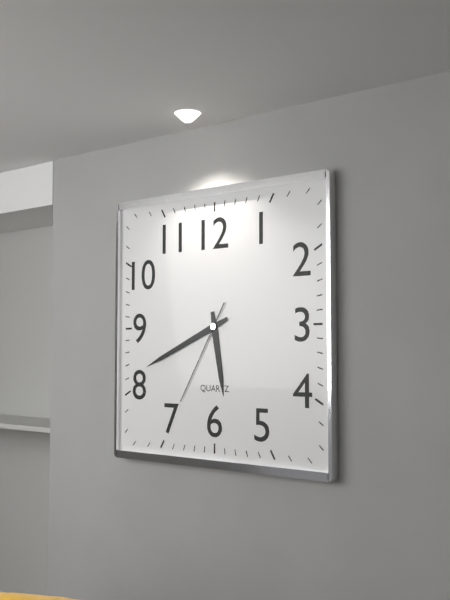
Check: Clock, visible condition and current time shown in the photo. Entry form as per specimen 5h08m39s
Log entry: 5h41m35s
